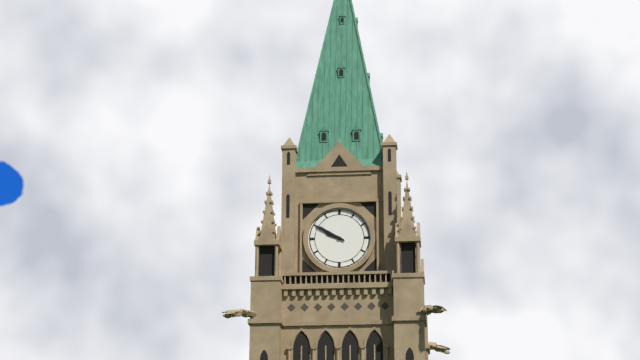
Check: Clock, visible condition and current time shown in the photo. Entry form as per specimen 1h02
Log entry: 9h50
